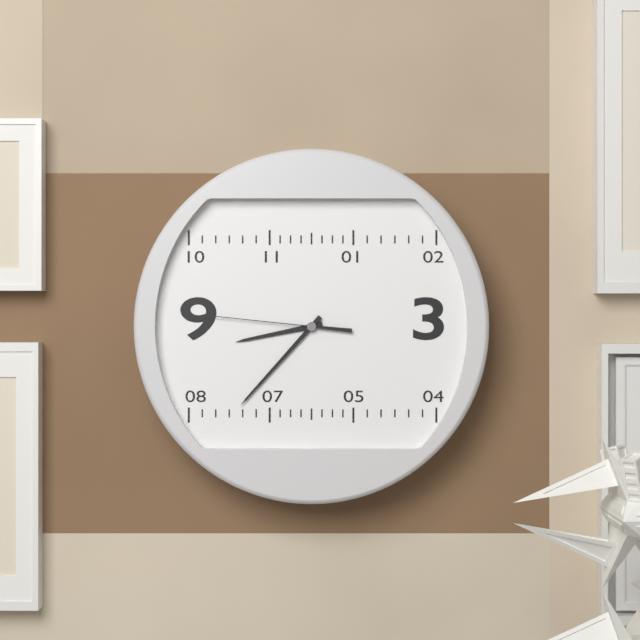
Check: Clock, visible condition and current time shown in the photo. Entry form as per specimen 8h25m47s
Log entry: 8h37m46s
